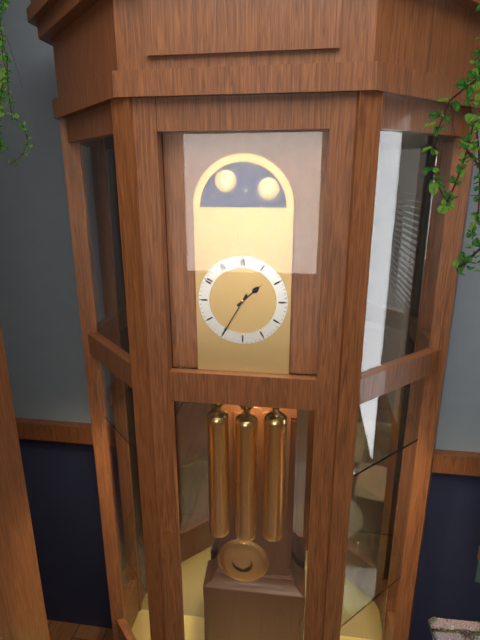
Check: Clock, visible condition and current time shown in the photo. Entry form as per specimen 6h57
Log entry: 1h35
